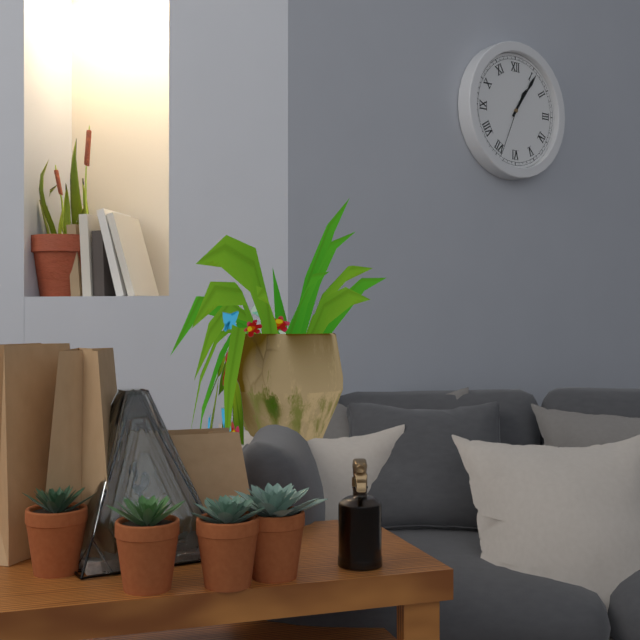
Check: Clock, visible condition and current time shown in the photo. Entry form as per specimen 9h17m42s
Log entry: 1h06m34s
